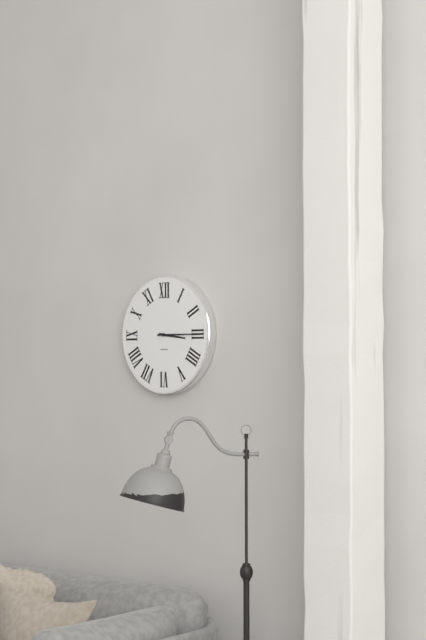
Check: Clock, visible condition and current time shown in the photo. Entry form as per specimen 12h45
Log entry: 3h15
